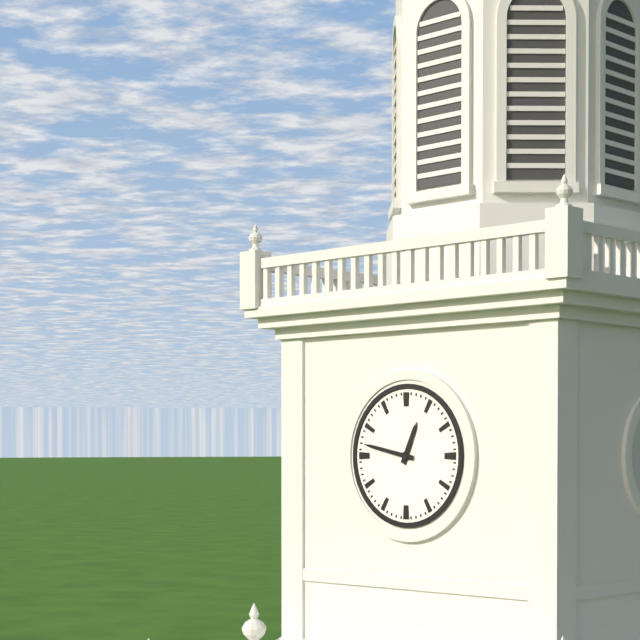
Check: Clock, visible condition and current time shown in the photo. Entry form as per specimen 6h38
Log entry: 12h47
